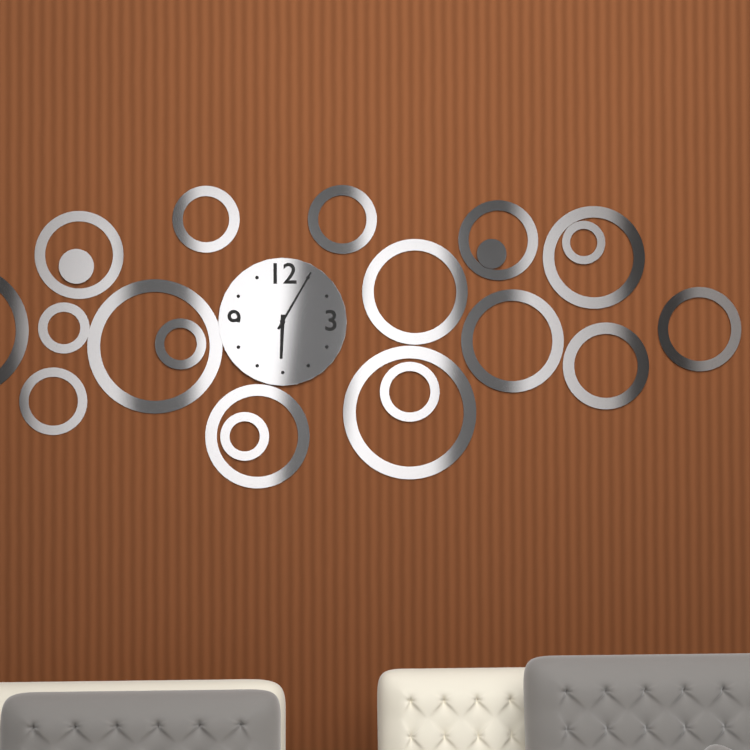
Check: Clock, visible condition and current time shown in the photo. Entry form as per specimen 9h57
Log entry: 6h05
